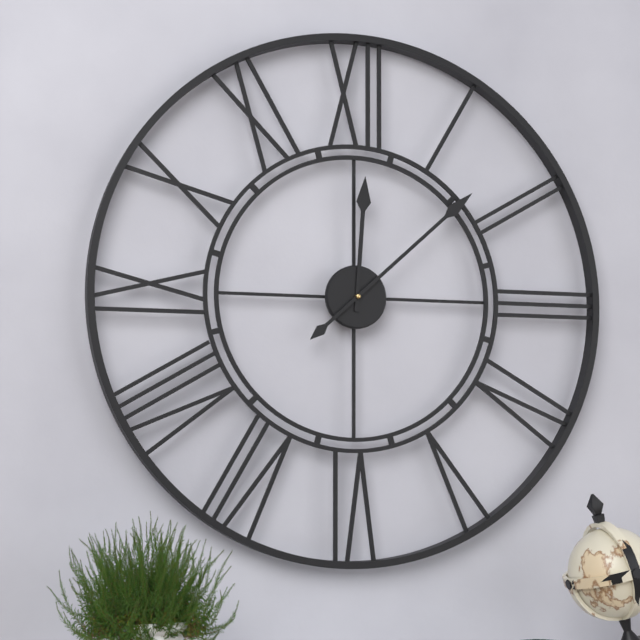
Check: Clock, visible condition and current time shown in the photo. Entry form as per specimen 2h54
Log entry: 12h08
